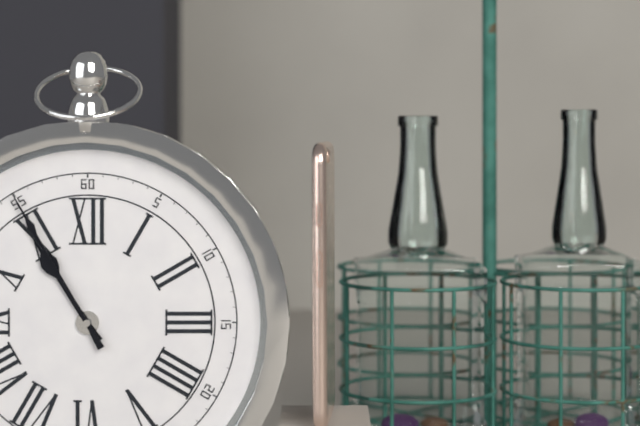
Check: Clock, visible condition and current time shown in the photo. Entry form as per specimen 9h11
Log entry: 10h55
